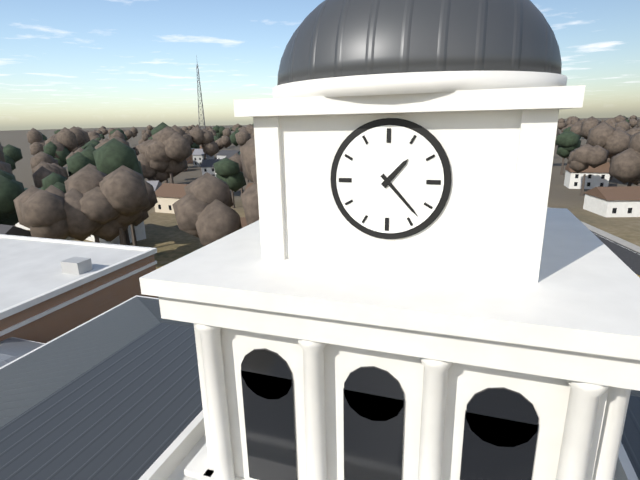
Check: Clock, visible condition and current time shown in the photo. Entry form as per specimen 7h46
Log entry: 1h23
